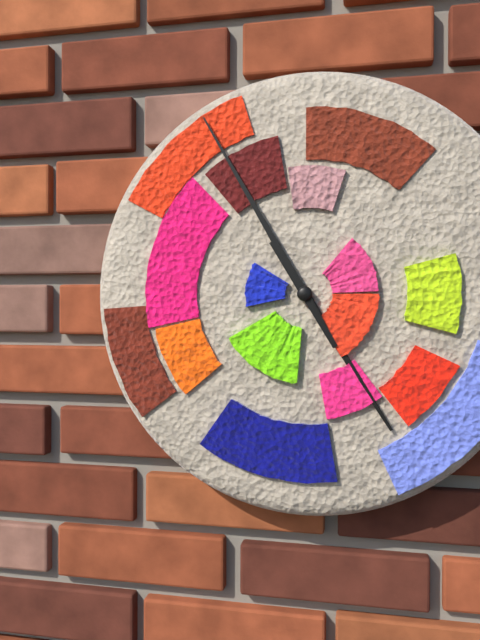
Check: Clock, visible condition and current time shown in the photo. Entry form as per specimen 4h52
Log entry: 4h55
